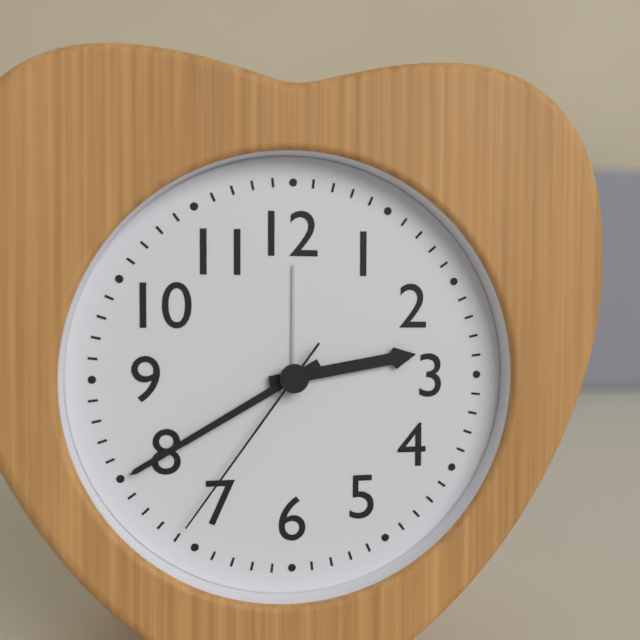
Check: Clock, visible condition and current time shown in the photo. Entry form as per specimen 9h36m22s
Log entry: 2h40m36s
